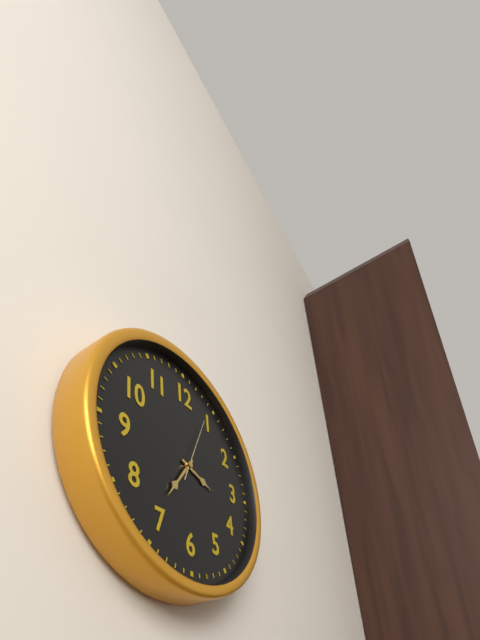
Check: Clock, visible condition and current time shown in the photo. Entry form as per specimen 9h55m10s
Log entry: 3h36m04s
